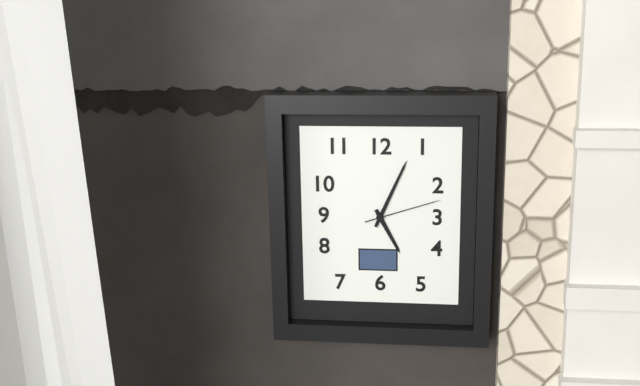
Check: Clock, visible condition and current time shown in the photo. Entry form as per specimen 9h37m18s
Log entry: 5h04m12s
